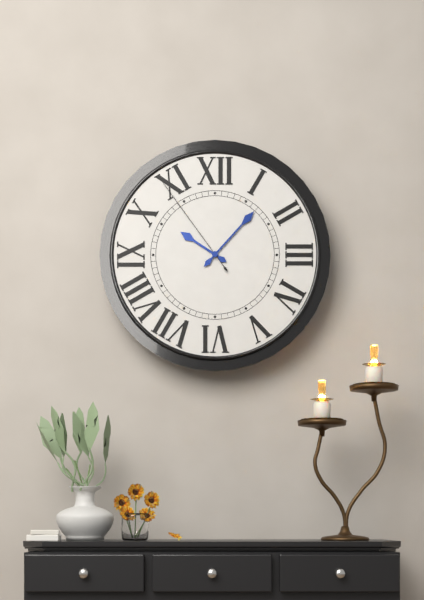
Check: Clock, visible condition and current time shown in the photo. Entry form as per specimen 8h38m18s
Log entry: 10h07m54s
